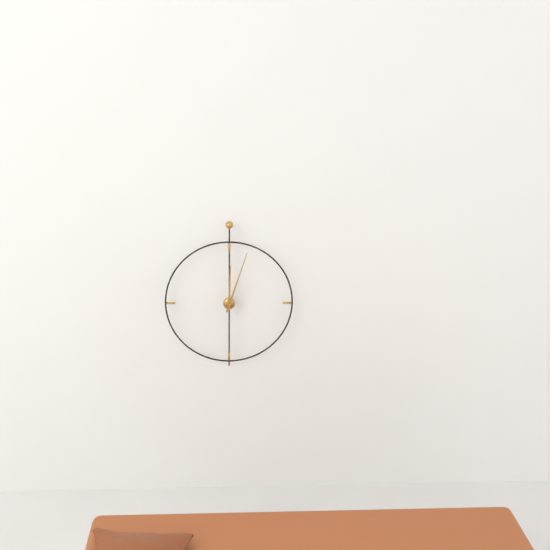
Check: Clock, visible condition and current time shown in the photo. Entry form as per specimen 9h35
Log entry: 12h03
